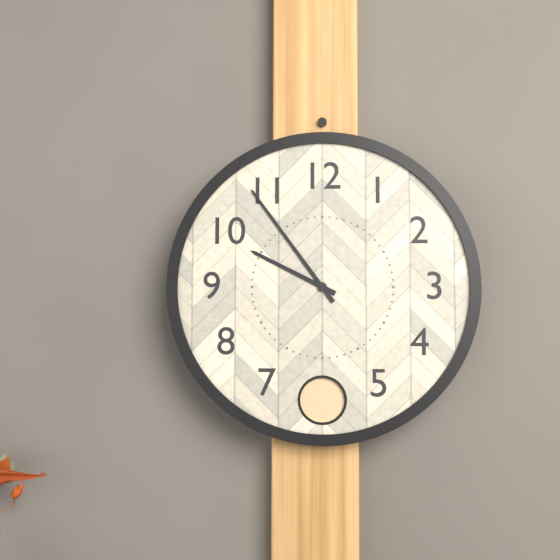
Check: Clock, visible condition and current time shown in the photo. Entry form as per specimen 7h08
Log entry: 9h54
